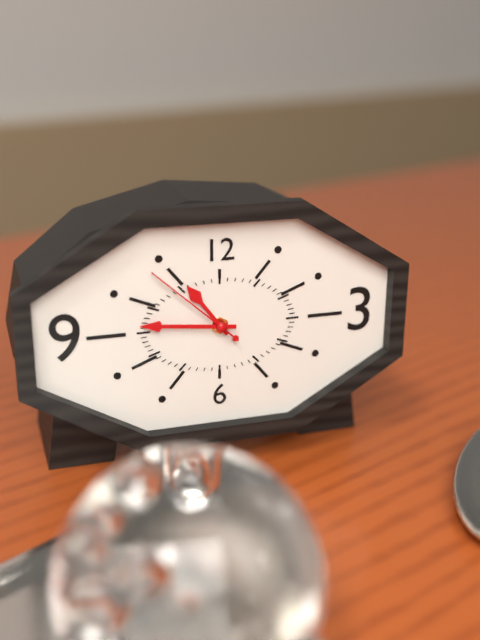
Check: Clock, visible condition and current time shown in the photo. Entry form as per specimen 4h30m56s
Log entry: 10h46m52s
